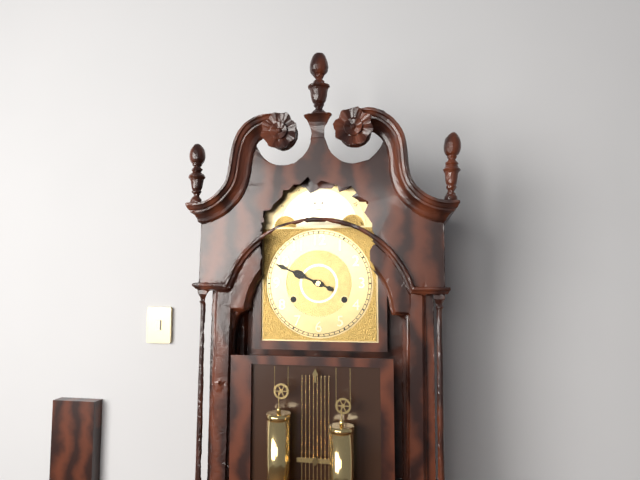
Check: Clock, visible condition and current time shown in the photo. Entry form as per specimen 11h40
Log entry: 9h49
